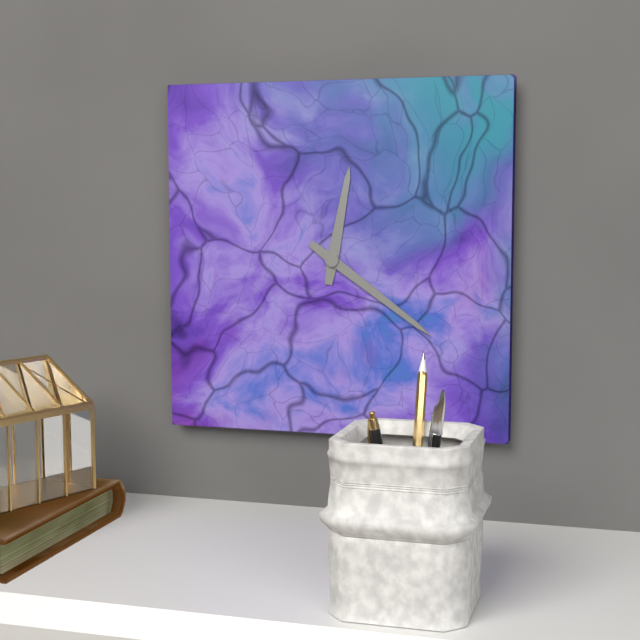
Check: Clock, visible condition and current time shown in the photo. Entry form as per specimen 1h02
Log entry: 12h21
